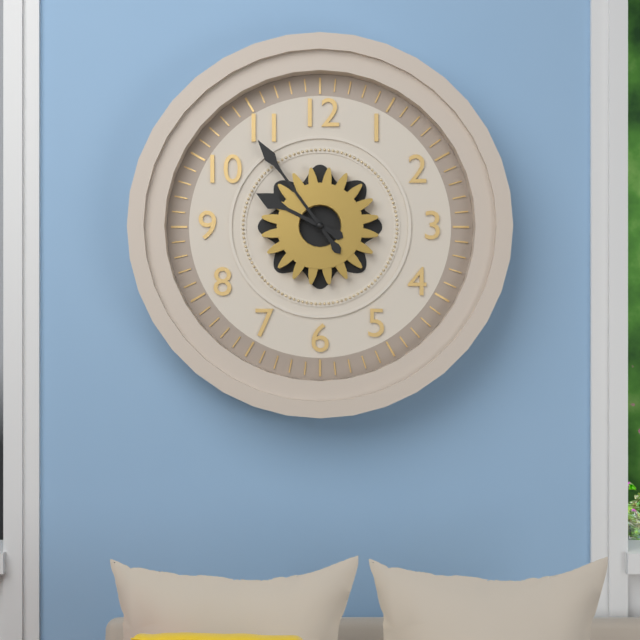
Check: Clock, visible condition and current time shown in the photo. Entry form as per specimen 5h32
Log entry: 9h54
